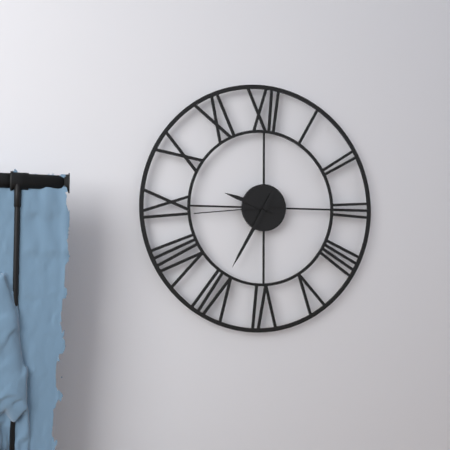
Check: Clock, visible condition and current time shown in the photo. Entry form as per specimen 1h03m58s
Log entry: 9h35m44s
